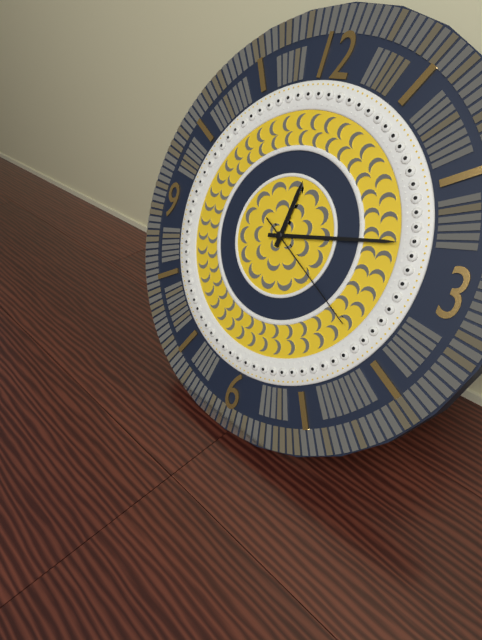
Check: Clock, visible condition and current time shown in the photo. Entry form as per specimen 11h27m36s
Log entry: 12h13m20s
